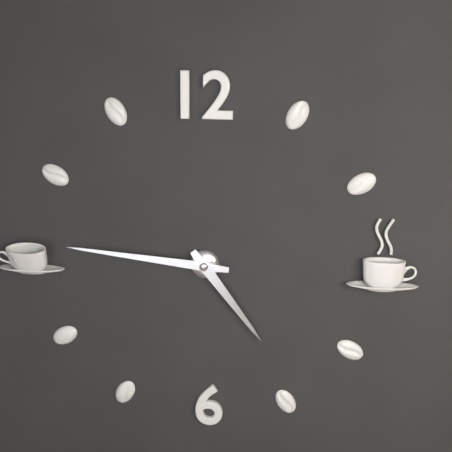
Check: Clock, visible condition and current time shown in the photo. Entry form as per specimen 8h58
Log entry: 4h46
